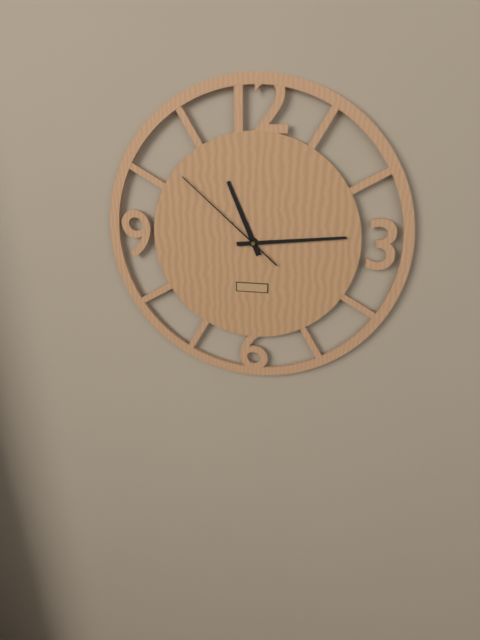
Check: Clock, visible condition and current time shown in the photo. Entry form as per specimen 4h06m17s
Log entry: 11h14m52s
